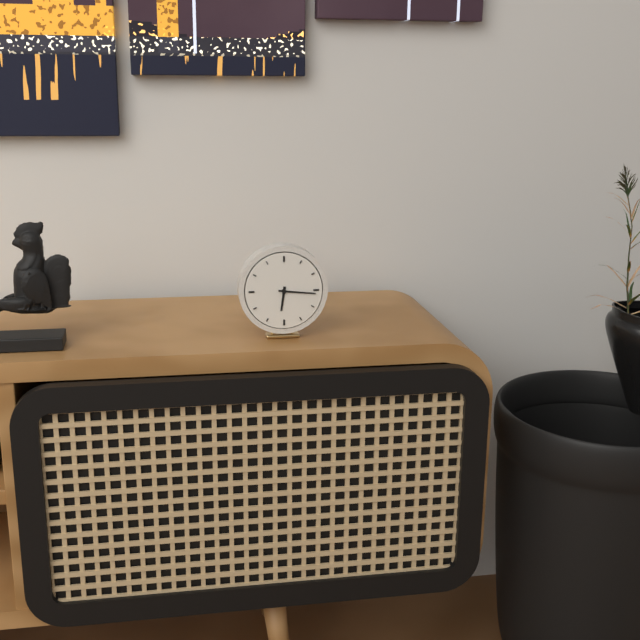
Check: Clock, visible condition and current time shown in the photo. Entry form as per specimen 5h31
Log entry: 6h16
